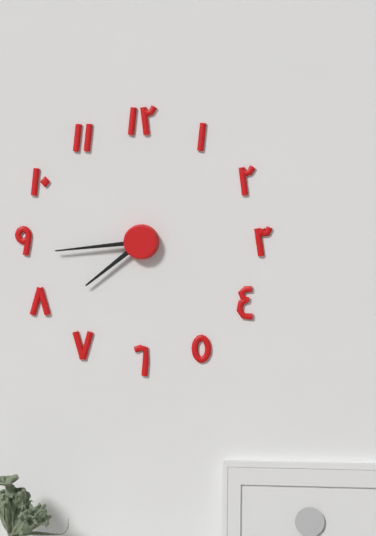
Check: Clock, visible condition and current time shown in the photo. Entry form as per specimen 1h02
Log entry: 7h44
